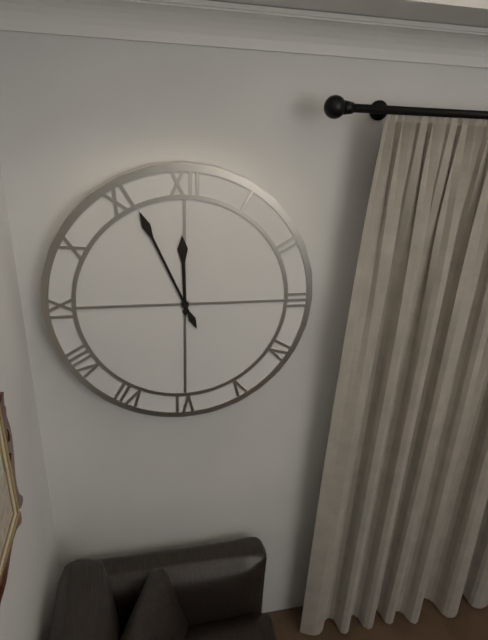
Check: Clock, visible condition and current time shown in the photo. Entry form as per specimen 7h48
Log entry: 11h56
